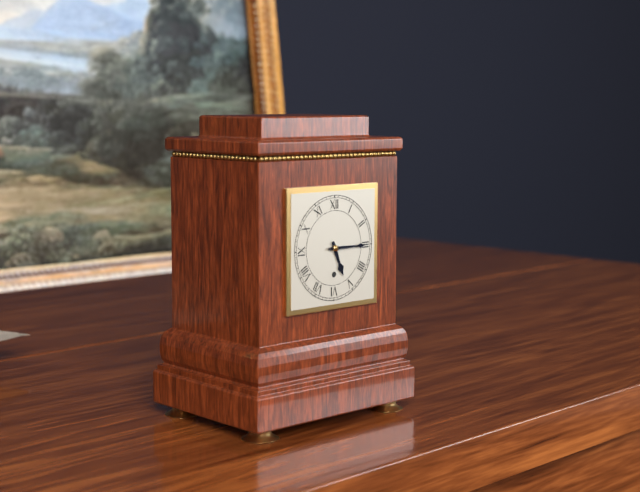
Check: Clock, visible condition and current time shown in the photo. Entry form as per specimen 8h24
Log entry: 5h15
